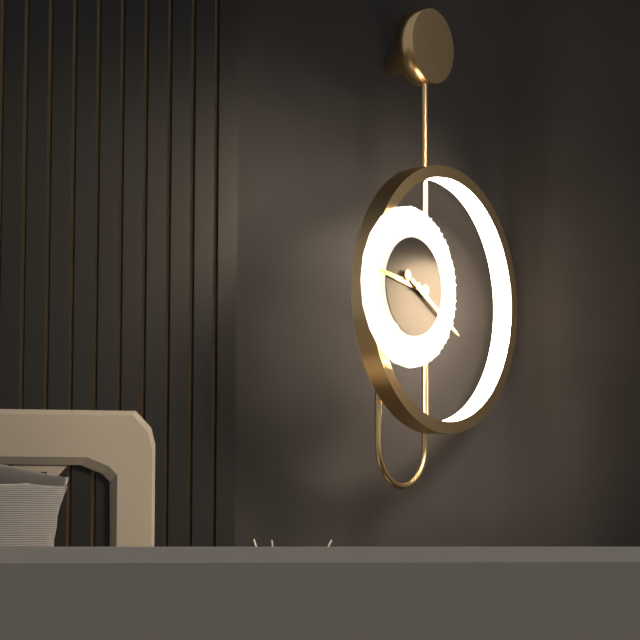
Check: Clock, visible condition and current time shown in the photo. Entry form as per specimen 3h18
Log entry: 9h20
